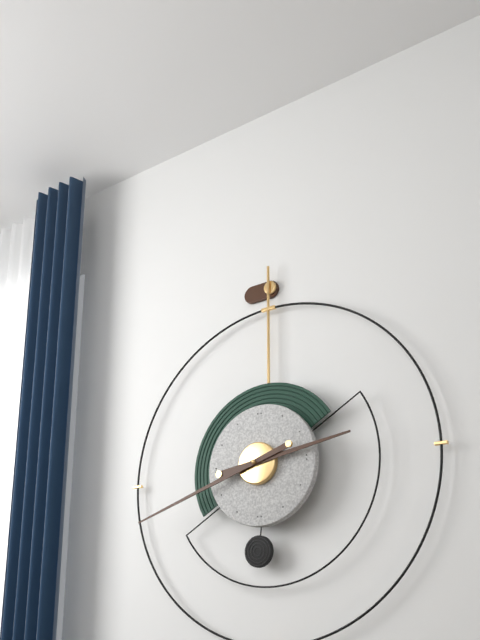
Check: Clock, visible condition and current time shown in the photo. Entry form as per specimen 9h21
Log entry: 2h42
